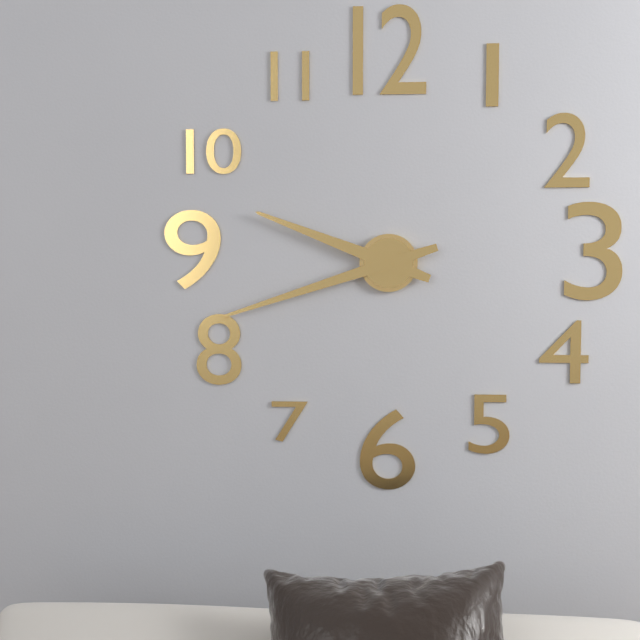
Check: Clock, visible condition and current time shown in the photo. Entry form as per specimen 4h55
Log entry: 9h42
